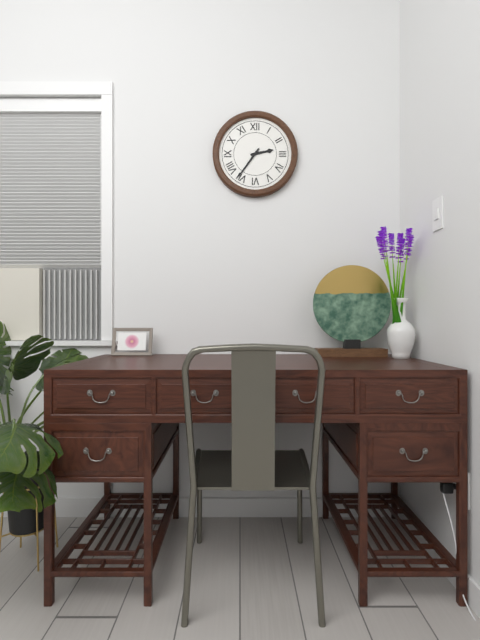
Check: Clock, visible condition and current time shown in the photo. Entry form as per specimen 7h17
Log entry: 2h36
